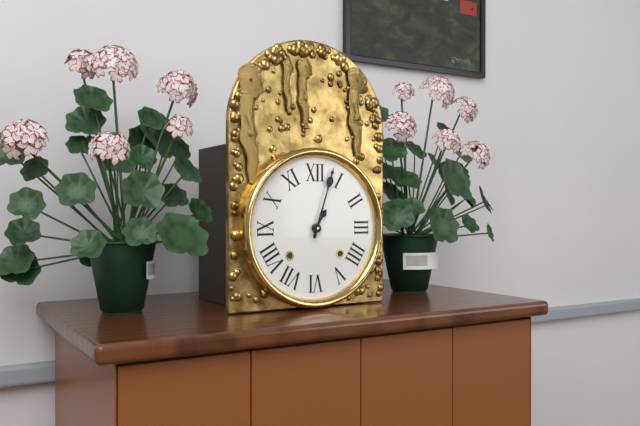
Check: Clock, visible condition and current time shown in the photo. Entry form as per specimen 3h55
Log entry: 1h03
